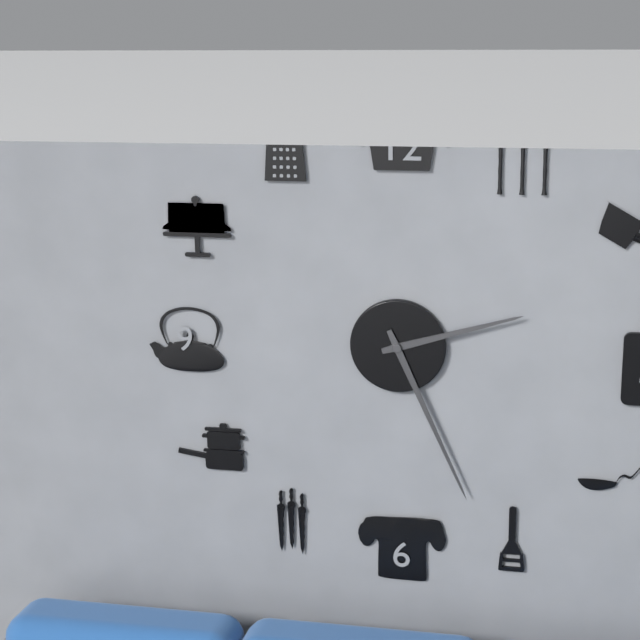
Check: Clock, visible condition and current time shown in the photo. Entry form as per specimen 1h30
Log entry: 2h26
